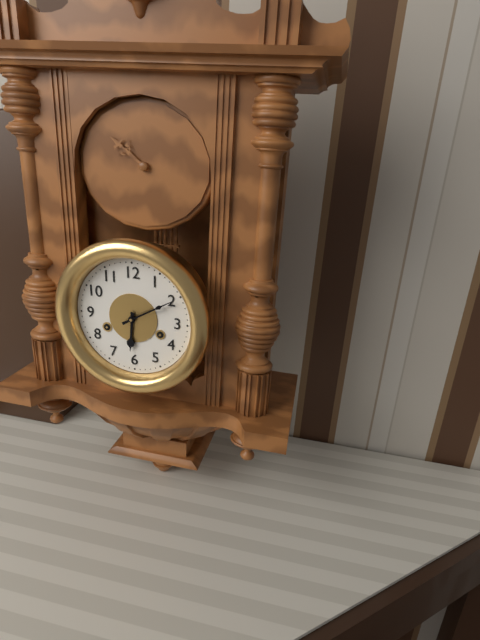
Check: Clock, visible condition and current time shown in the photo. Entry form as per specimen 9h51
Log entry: 6h10
